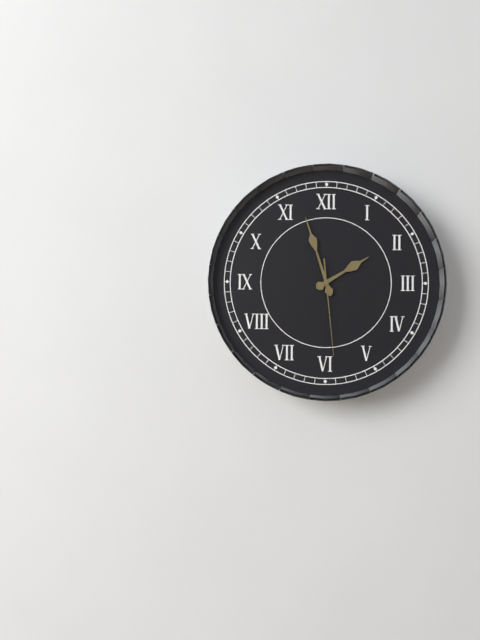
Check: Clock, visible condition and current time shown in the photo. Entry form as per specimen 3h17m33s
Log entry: 1h57m29s
